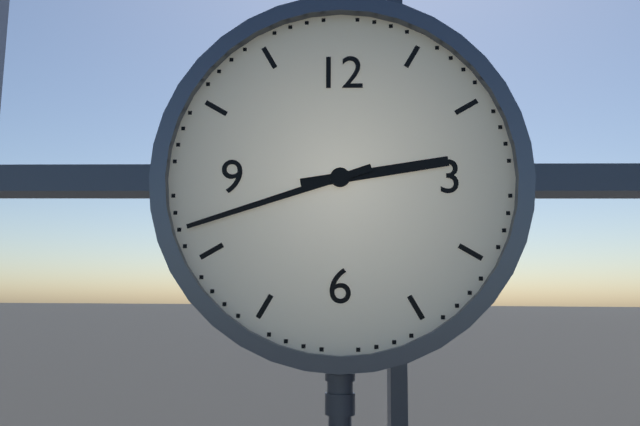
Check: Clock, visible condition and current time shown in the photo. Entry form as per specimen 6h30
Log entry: 2h42
